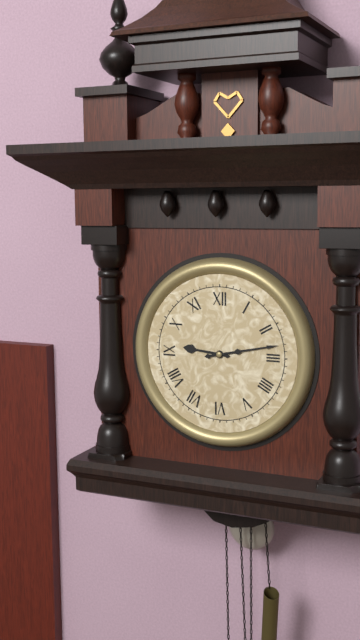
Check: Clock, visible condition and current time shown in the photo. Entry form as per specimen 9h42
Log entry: 9h13
